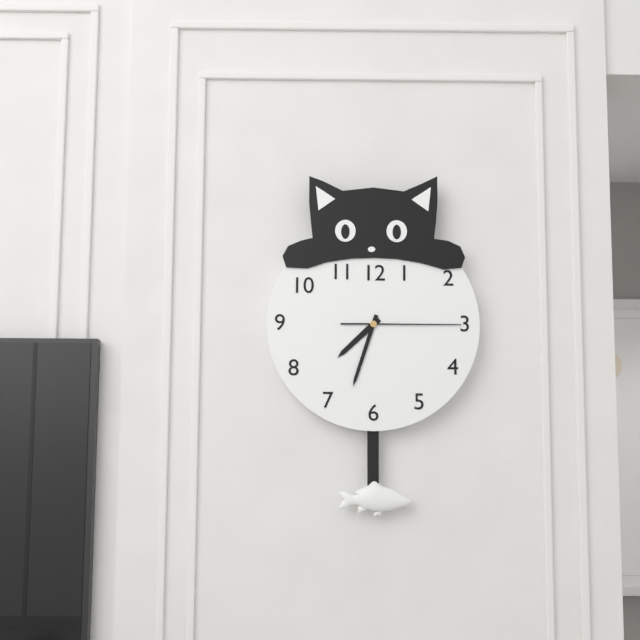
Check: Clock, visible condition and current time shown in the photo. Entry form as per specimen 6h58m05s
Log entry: 7h33m15s
